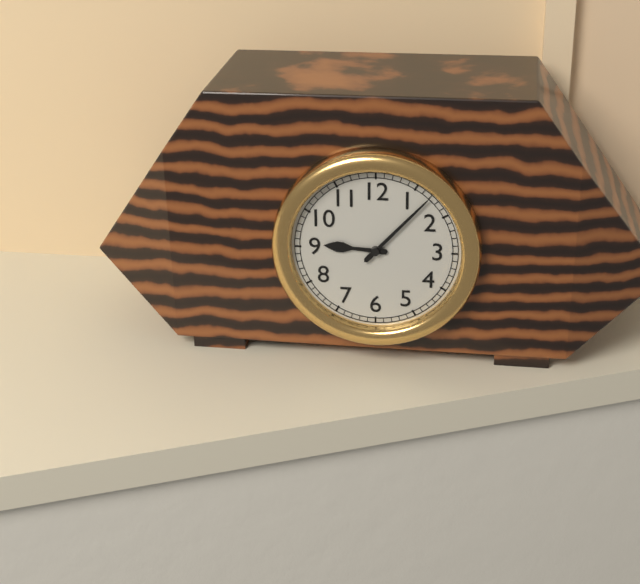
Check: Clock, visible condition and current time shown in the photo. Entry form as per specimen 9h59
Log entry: 9h07
